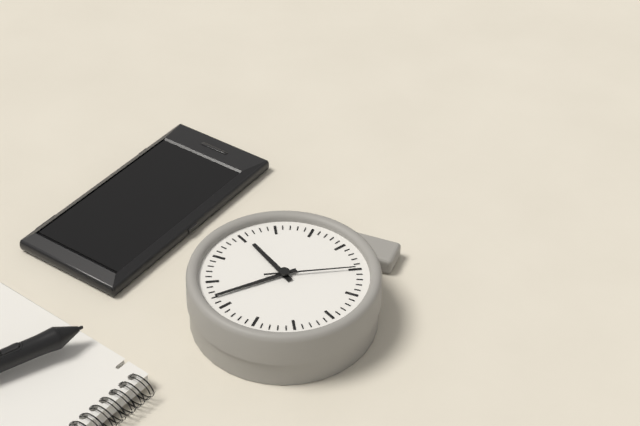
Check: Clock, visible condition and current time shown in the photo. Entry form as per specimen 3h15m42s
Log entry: 4h07m40s
